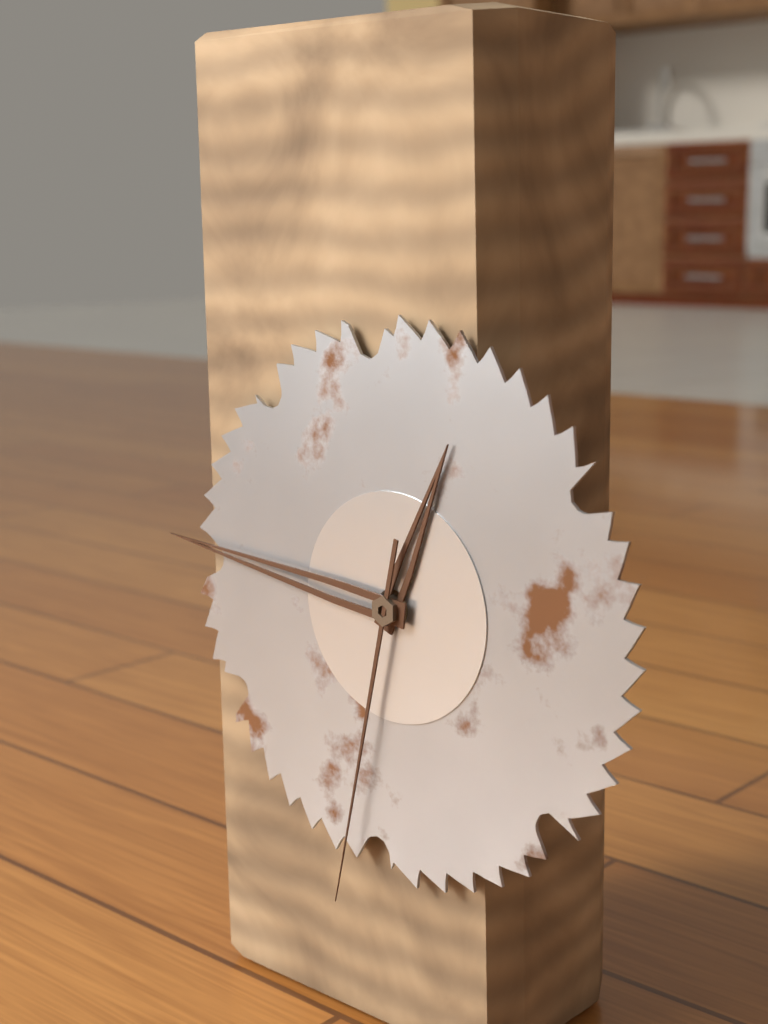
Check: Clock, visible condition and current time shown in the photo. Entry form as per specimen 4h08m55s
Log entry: 12h46m32s
